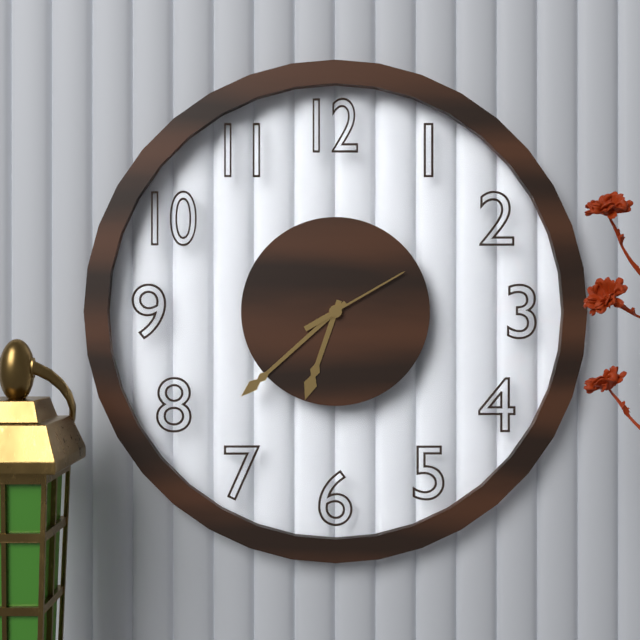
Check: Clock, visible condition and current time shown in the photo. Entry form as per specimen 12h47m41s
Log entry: 6h38m10s
